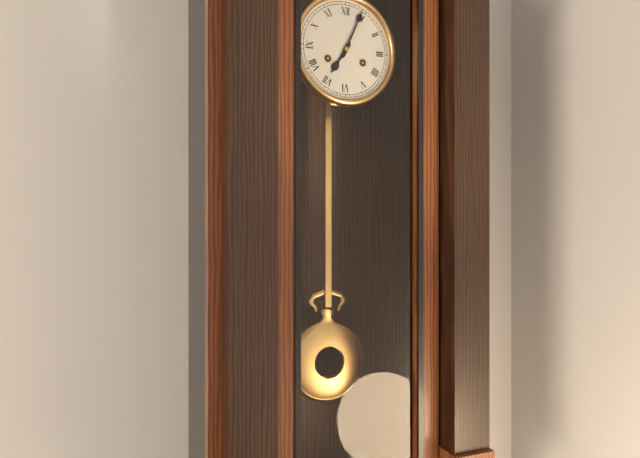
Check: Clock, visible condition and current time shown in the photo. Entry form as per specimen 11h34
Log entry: 7h04
